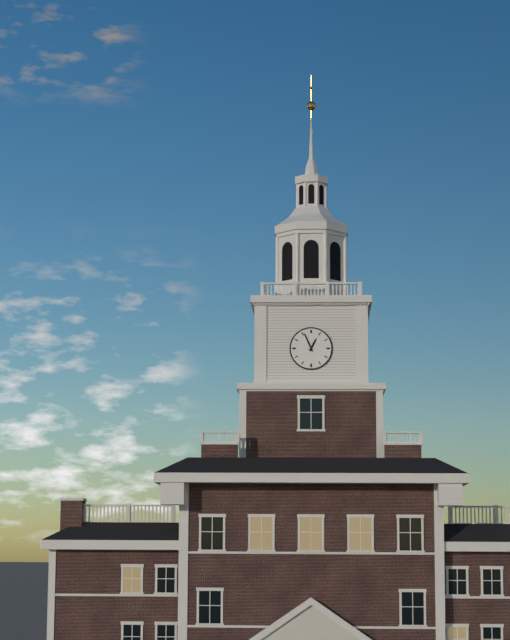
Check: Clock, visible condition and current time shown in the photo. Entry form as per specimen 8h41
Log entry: 12h56
